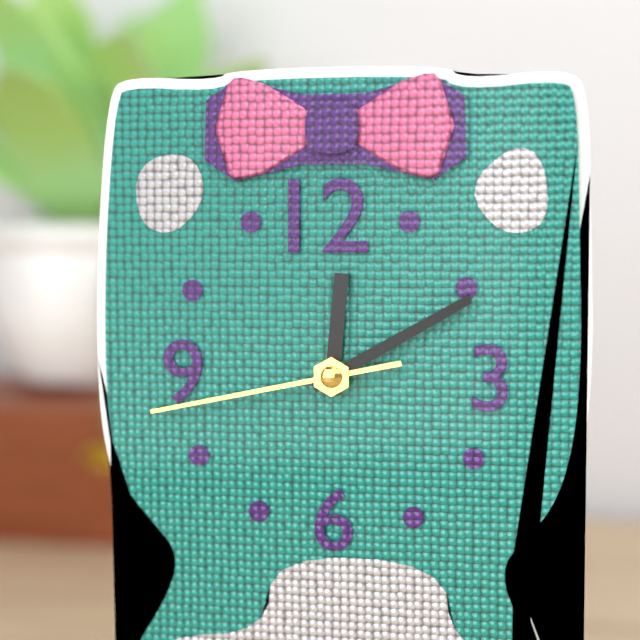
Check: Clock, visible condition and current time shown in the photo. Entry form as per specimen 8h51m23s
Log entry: 12h10m43s
